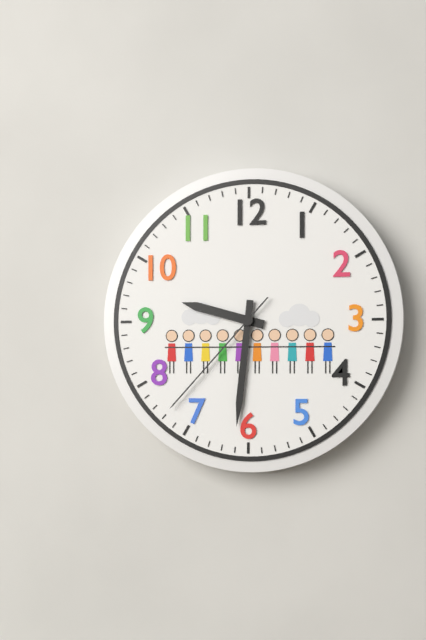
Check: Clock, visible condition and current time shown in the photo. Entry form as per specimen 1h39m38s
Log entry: 9h31m37s
